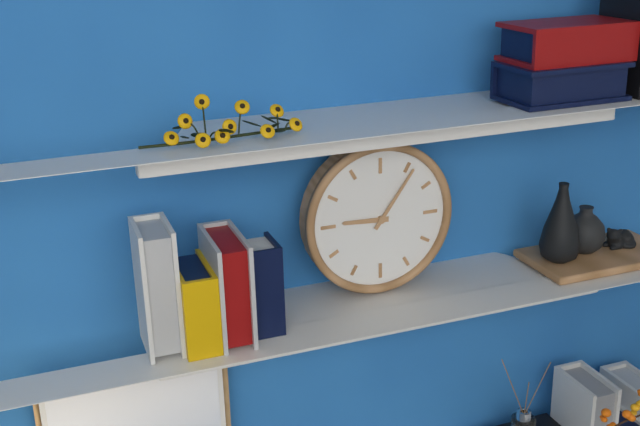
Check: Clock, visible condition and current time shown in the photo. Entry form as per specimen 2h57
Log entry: 9h06
